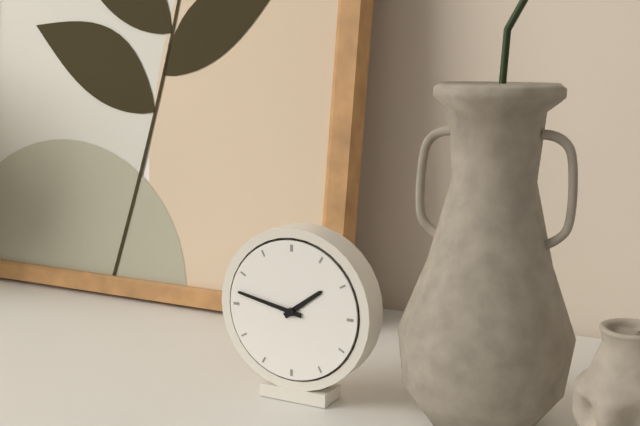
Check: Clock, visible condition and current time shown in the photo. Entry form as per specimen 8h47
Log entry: 1h47
